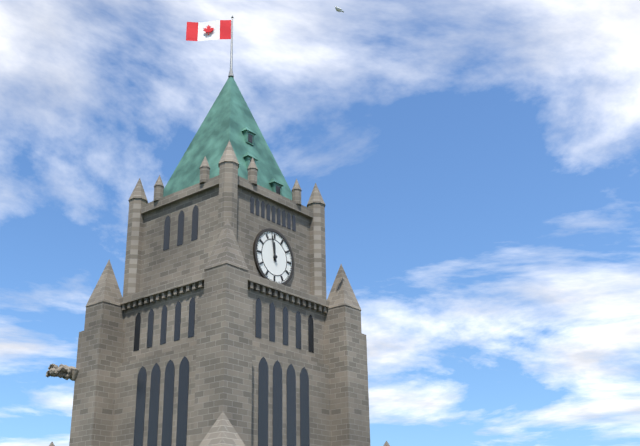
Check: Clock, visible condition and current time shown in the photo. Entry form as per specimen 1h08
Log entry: 11h58
